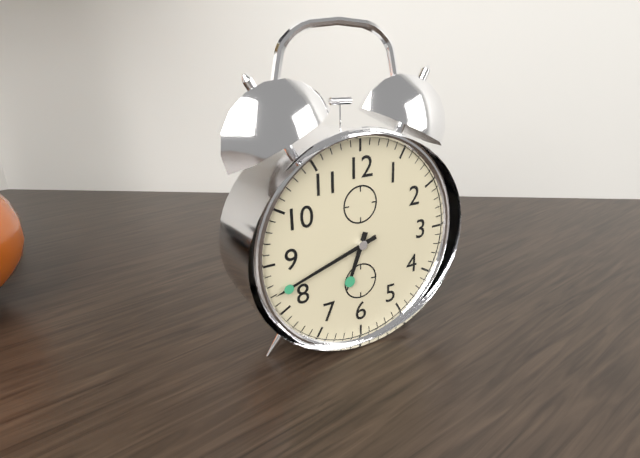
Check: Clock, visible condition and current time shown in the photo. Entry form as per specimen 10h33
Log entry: 6h42
